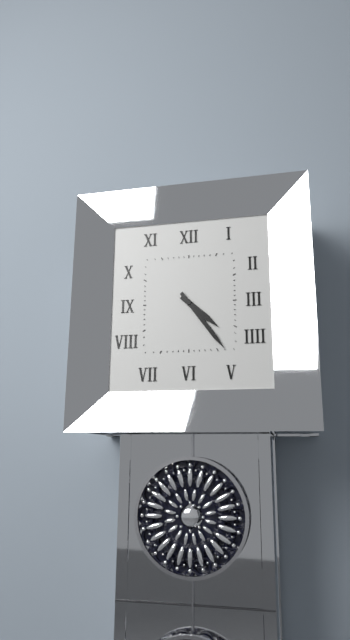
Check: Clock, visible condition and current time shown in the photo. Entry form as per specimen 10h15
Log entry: 4h24
